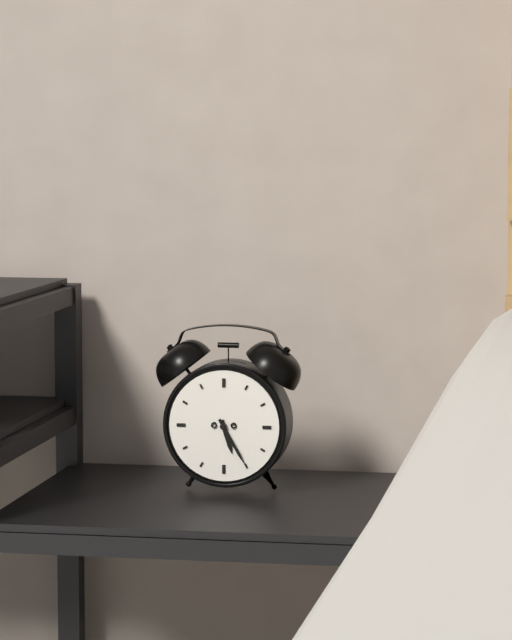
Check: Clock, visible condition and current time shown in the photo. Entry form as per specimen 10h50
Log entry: 5h25
